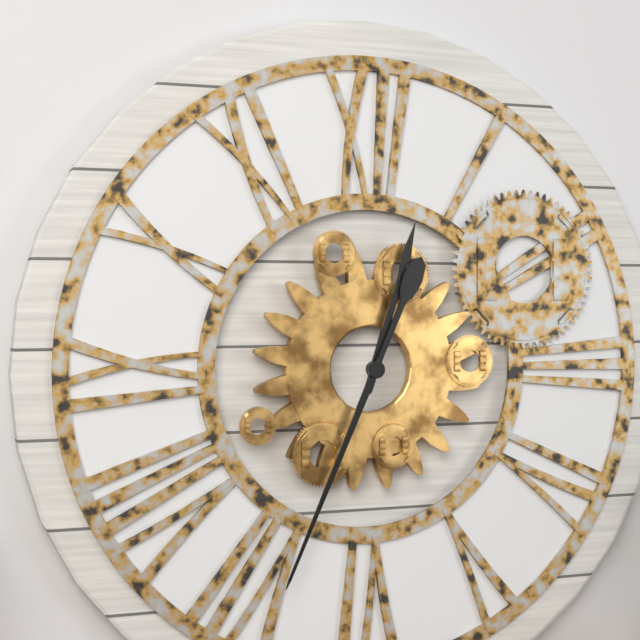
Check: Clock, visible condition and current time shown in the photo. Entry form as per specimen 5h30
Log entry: 12h34
